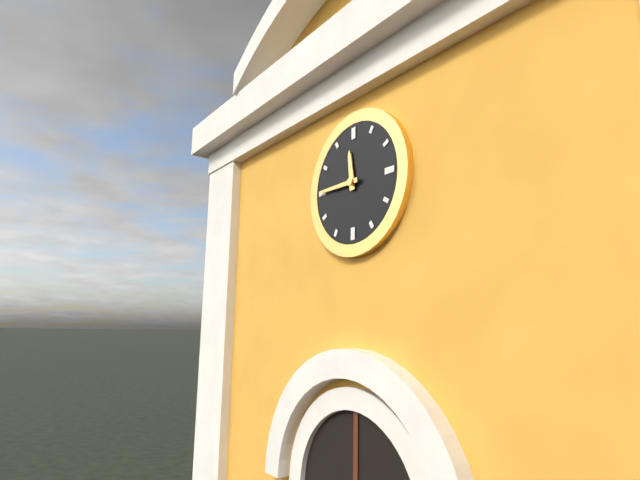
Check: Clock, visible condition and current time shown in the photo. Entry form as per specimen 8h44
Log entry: 11h45
